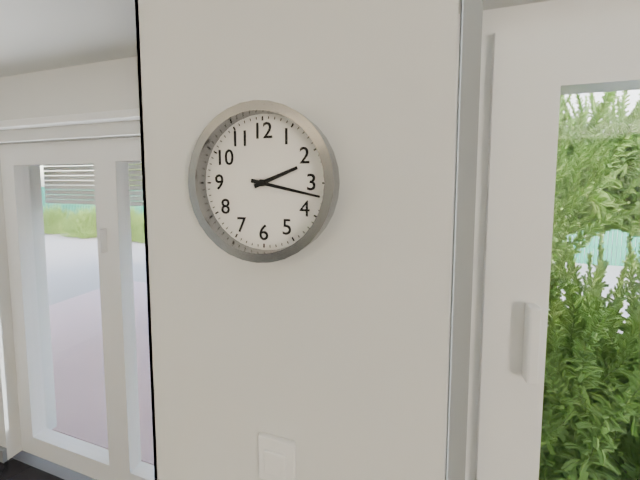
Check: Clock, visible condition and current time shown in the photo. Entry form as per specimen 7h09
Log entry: 2h17
